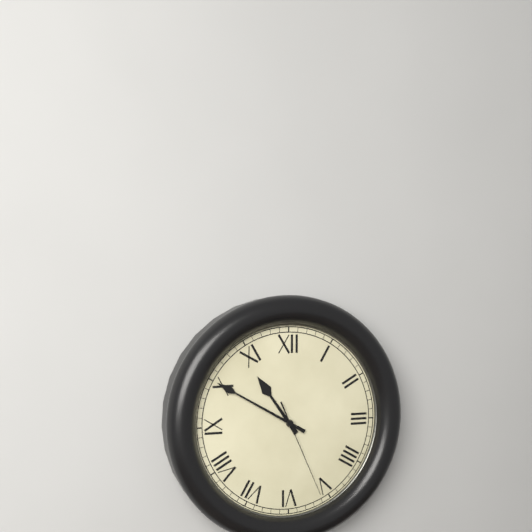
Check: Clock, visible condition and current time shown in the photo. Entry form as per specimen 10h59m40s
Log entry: 10h50m26s
